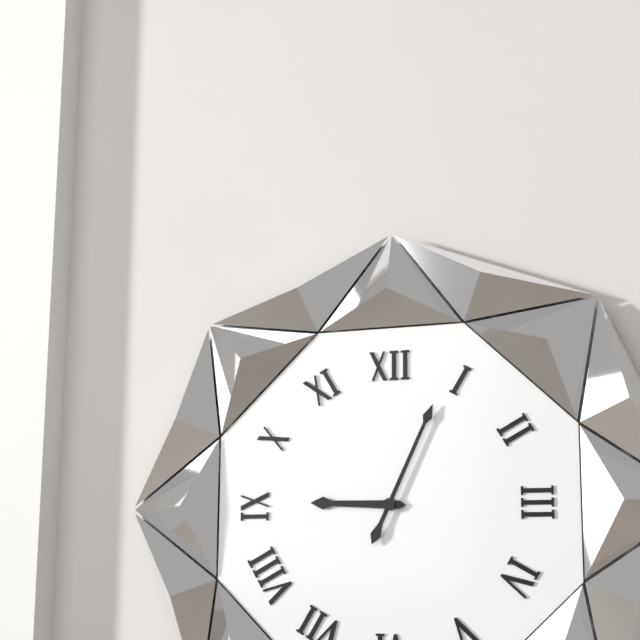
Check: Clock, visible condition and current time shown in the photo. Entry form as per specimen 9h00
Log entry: 9h04
